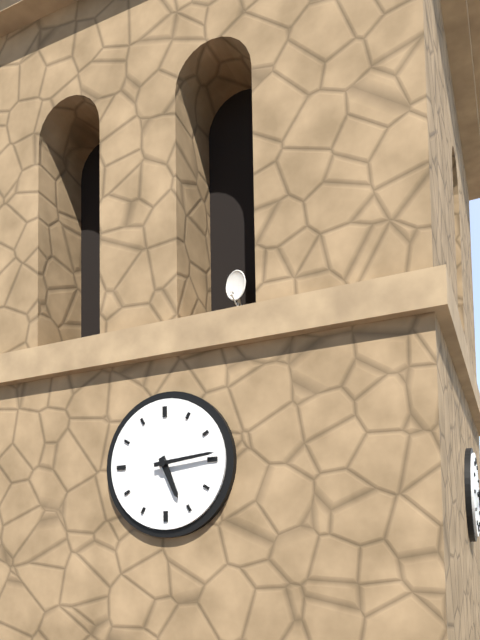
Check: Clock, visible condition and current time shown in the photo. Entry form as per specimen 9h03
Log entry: 5h14
